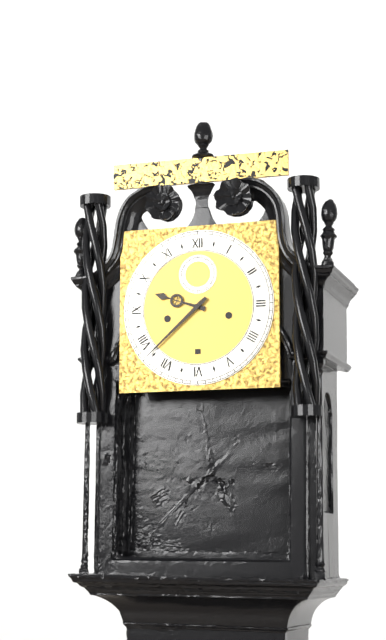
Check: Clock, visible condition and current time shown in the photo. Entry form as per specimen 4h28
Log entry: 9h38
